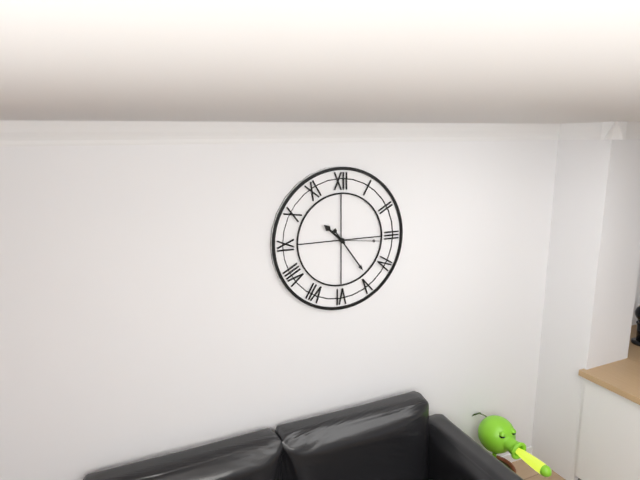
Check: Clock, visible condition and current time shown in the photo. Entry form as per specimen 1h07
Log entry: 10h24
